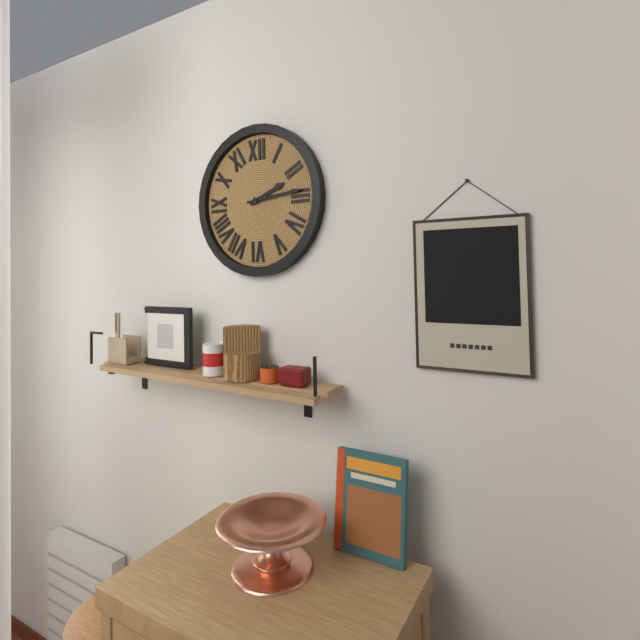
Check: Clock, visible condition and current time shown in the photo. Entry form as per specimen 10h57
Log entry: 2h14
